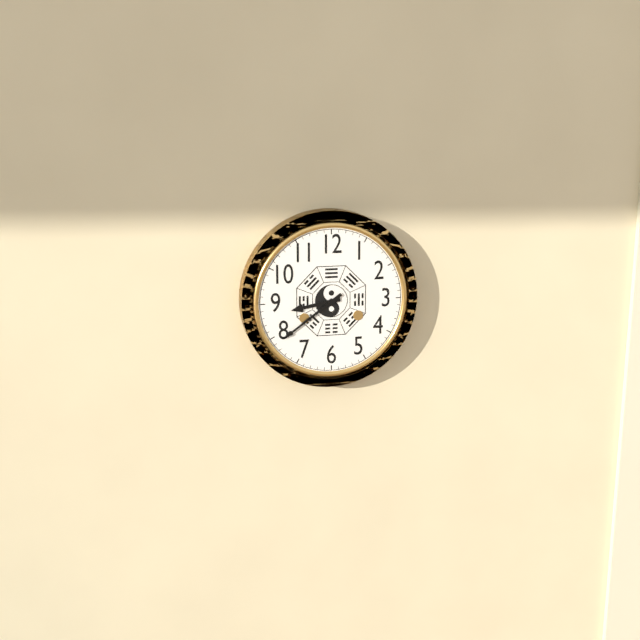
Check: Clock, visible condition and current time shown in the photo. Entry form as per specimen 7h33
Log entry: 8h39
